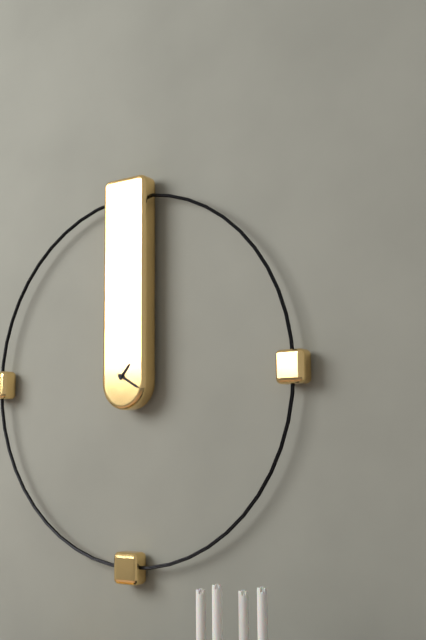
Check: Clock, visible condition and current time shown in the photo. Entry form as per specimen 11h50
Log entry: 1h20
